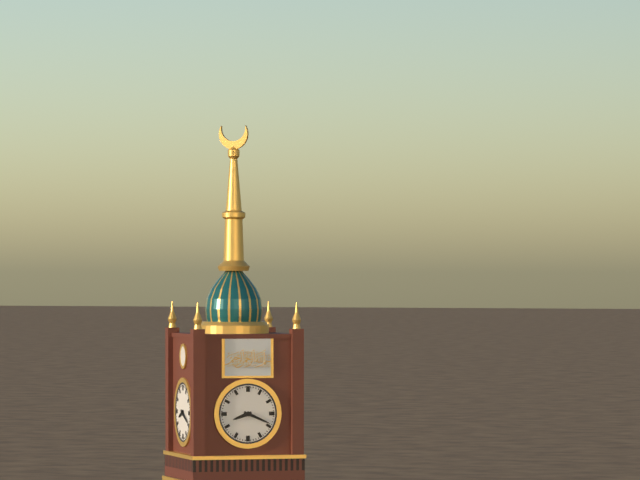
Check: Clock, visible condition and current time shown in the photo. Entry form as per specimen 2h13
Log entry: 8h19
